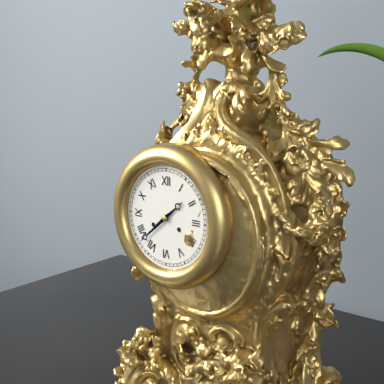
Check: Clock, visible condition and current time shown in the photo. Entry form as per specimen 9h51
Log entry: 1h38
